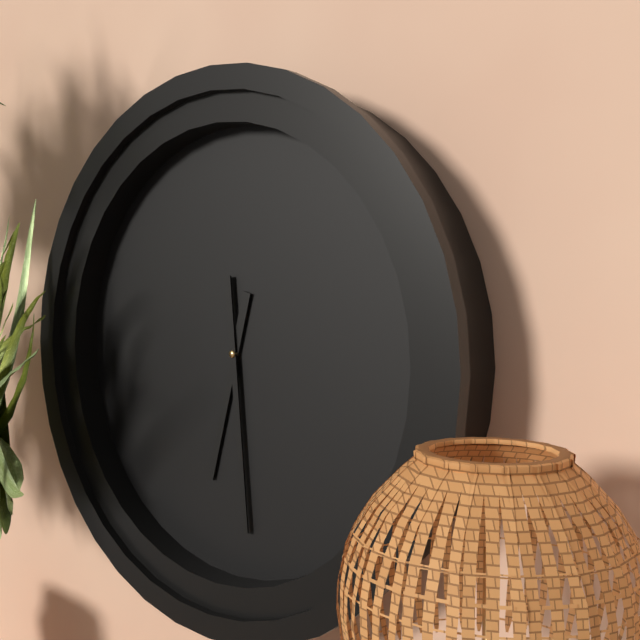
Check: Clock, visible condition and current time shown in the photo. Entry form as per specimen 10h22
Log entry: 6h29
